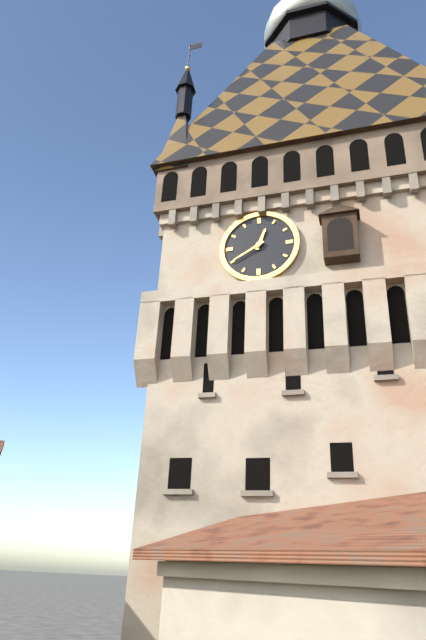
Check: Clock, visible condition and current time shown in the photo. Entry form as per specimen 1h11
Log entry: 12h40
